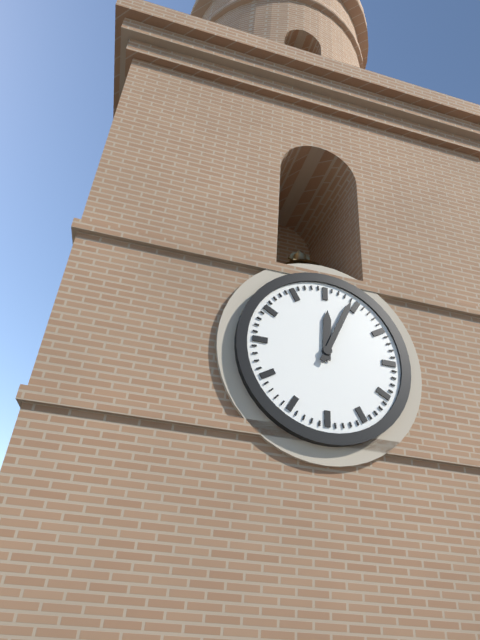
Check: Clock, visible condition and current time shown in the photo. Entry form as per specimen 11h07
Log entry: 12h04
